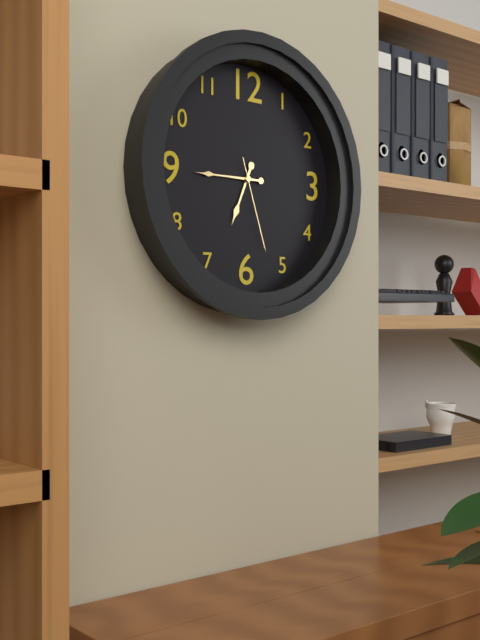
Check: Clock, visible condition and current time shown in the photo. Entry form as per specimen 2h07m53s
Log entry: 6h45m27s
